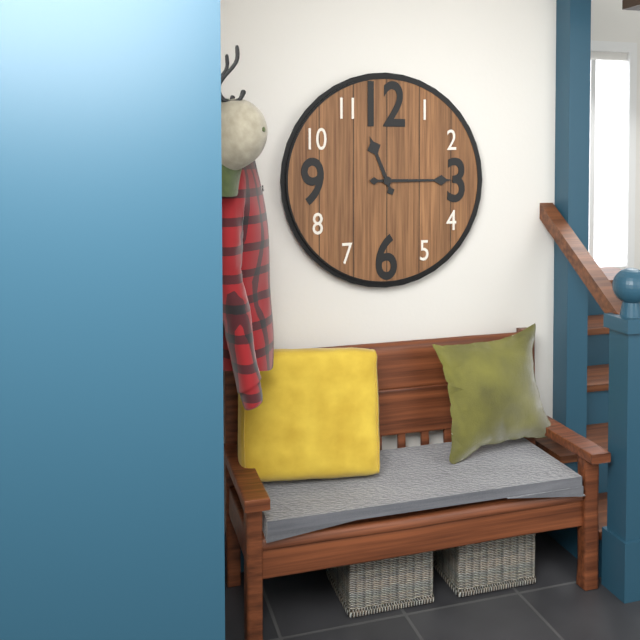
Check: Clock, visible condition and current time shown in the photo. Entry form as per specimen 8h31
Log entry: 11h15
